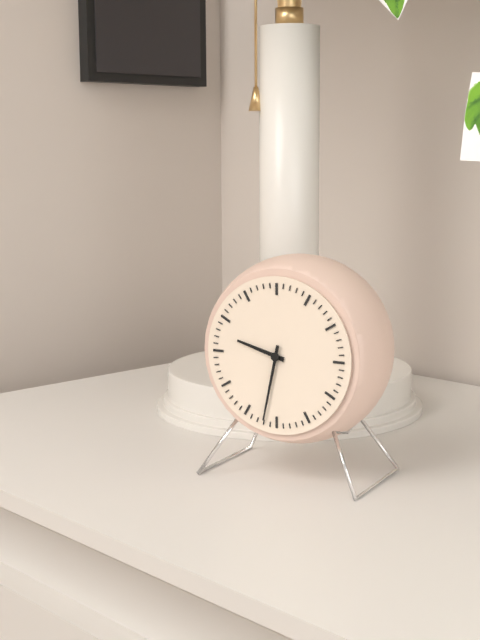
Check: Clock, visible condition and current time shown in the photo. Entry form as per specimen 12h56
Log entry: 9h32
